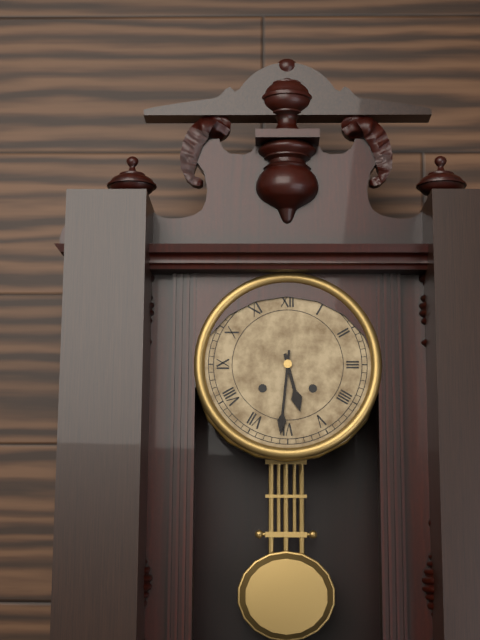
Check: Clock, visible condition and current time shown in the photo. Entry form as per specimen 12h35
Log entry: 5h31
